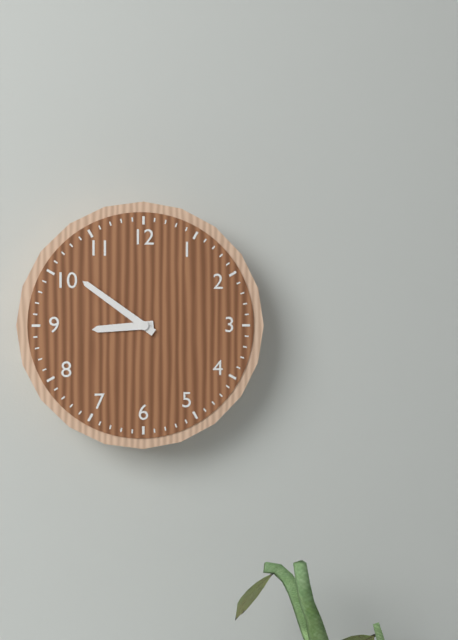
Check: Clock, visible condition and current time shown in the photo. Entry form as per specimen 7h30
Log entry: 8h51
